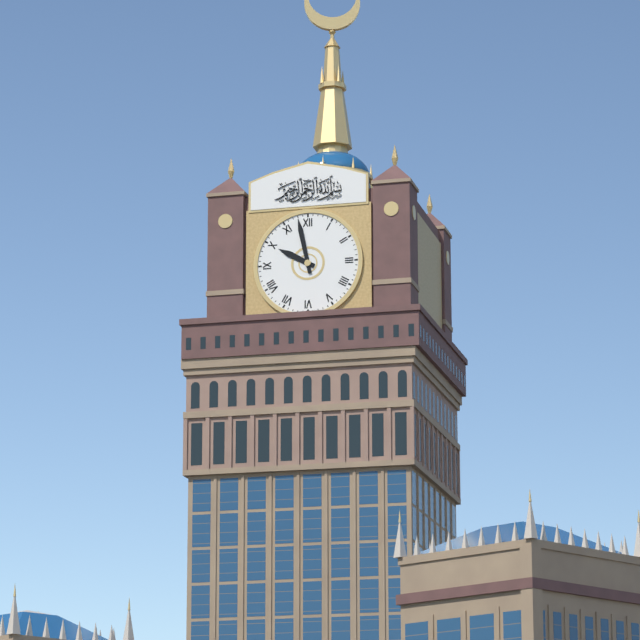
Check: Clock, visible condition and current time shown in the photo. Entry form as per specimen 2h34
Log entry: 9h58
